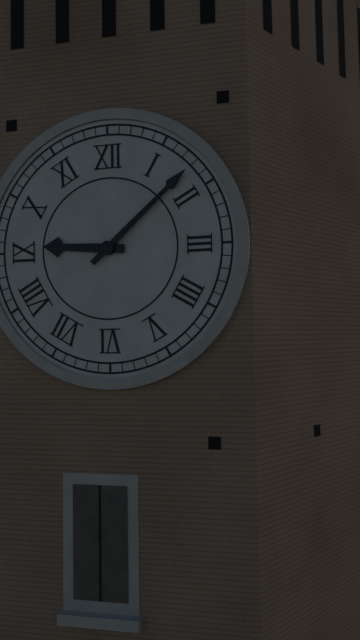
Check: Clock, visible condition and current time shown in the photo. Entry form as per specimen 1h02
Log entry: 9h08
